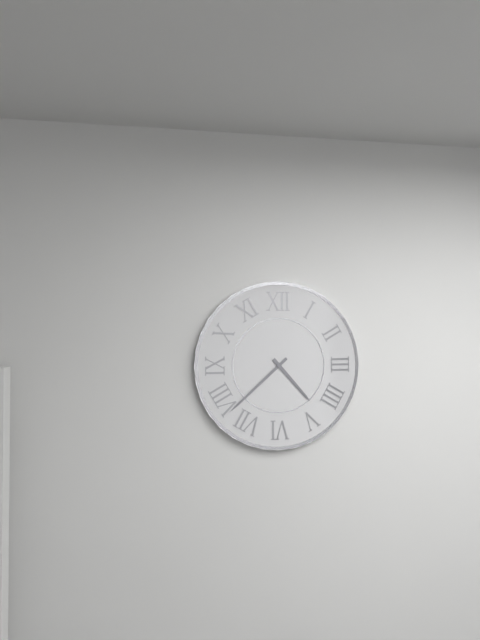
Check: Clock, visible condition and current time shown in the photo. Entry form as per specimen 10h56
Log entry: 4h38
